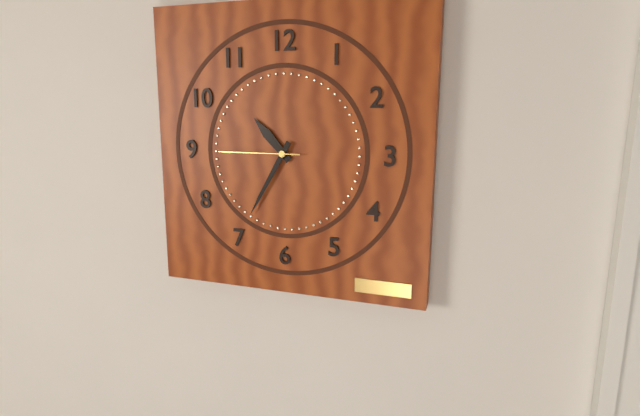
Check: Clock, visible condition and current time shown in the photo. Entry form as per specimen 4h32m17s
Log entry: 10h35m45s
